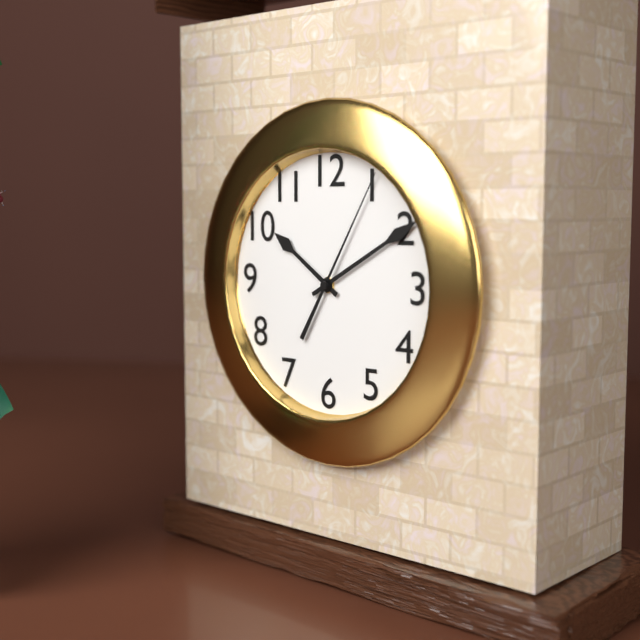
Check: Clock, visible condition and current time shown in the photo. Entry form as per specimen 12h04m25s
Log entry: 10h10m05s
